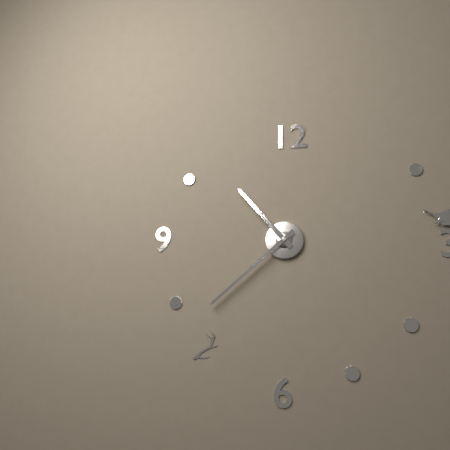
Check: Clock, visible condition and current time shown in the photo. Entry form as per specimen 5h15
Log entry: 10h38
